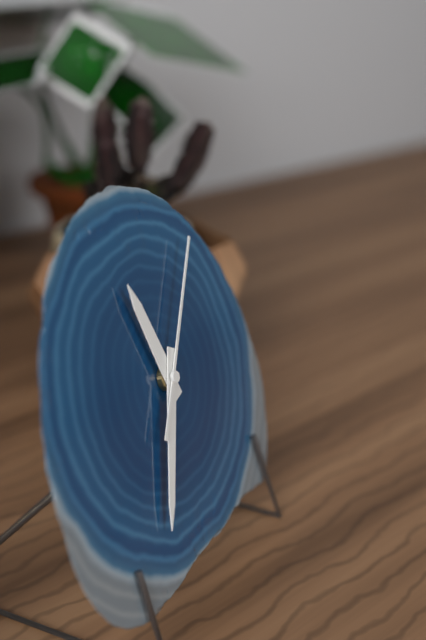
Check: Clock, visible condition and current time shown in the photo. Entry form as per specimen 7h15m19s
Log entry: 11h35m07s
